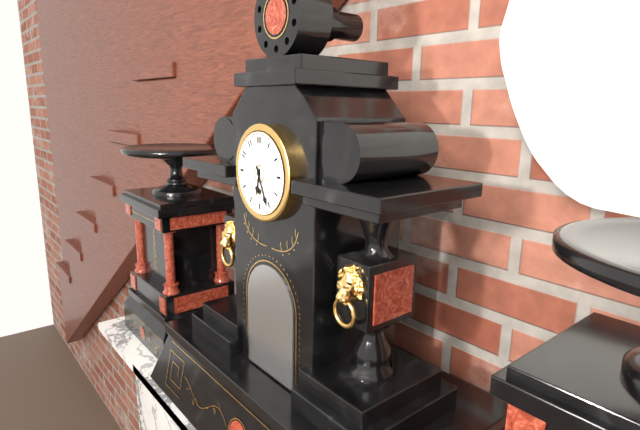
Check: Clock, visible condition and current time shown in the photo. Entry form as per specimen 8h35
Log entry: 6h26
